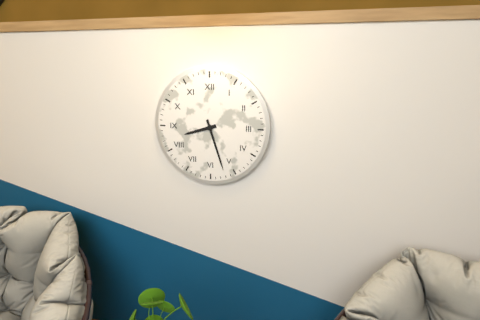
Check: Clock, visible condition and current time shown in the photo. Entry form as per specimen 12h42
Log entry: 8h27
